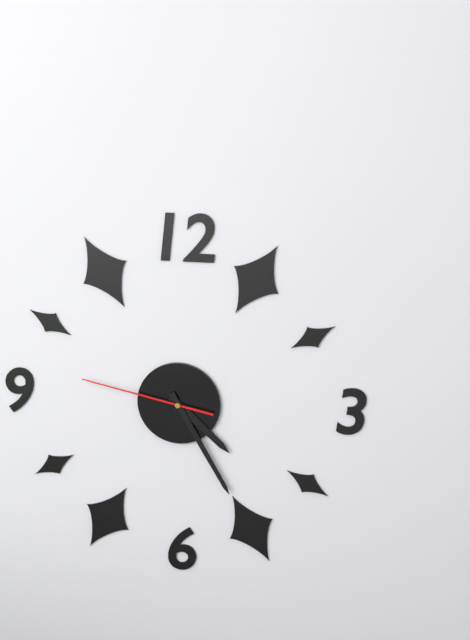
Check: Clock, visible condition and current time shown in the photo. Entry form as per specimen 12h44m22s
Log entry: 4h25m47s
